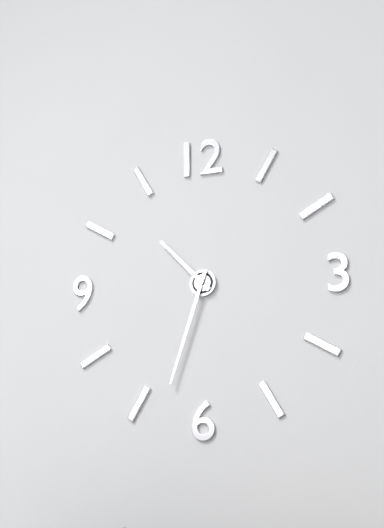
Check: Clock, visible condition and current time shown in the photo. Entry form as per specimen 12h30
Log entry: 10h33
